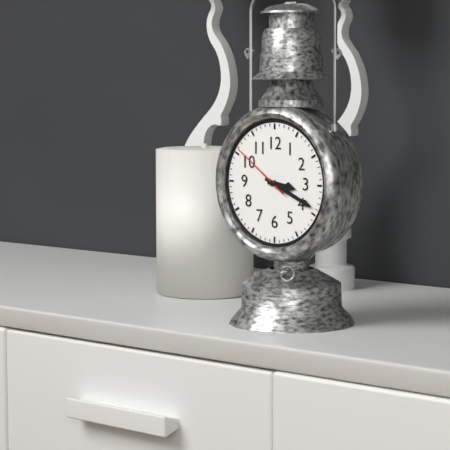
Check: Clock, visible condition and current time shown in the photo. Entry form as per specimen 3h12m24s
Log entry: 3h19m51s
